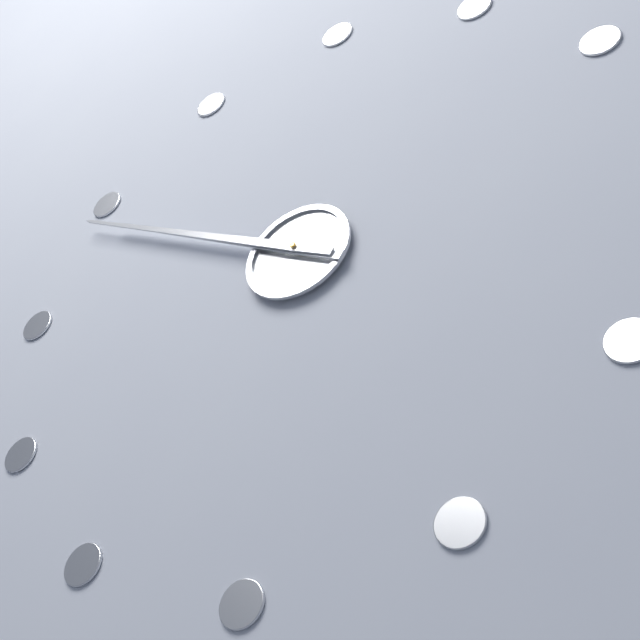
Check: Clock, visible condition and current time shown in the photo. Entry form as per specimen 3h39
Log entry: 9h49
